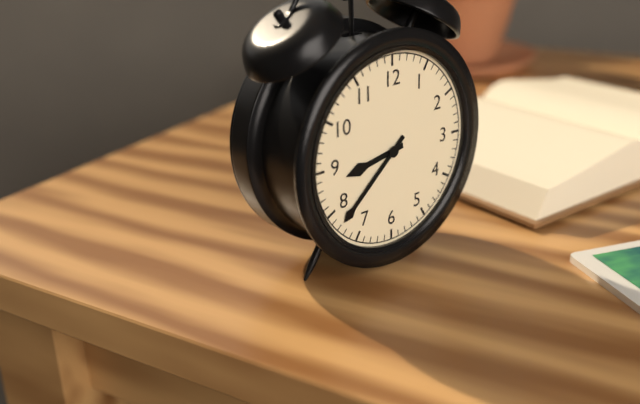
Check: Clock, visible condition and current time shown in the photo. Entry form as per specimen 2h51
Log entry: 8h38
